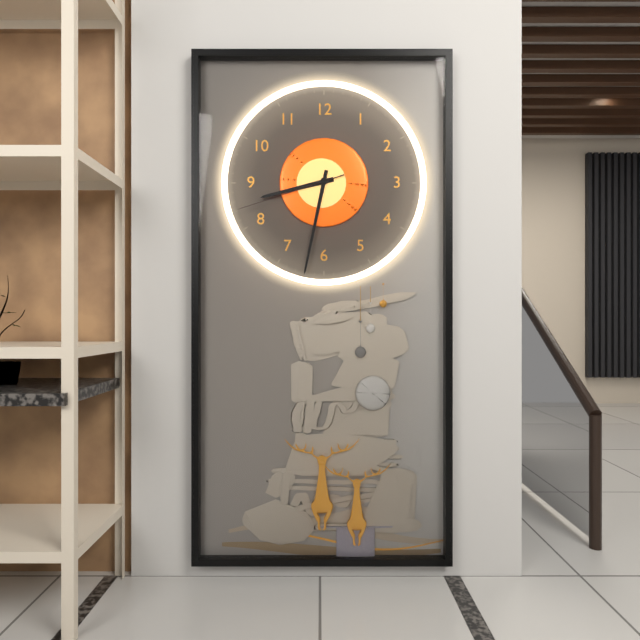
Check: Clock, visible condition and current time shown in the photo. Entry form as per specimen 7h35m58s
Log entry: 8h32m42s
